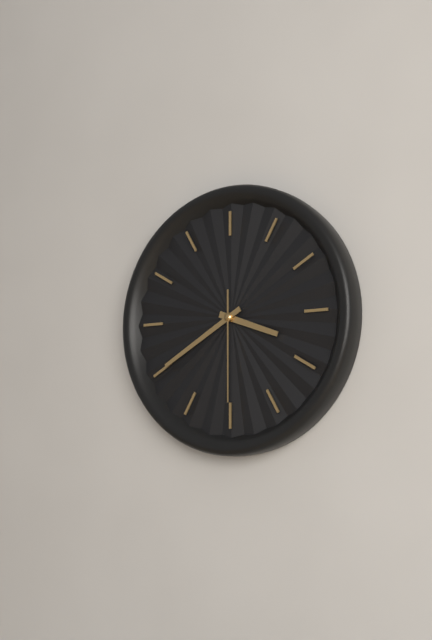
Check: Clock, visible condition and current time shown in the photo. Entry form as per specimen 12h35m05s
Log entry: 3h40m30s
